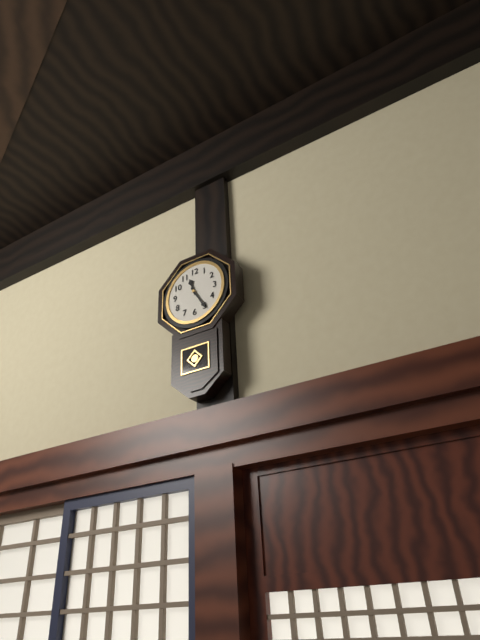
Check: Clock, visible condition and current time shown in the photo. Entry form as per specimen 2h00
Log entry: 11h25
